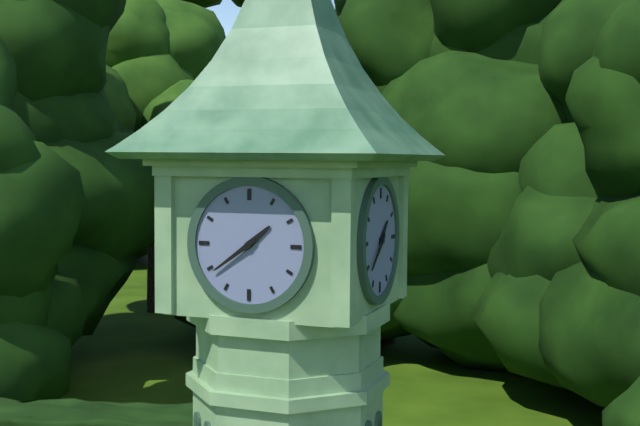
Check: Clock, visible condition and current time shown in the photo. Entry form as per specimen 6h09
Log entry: 1h39
